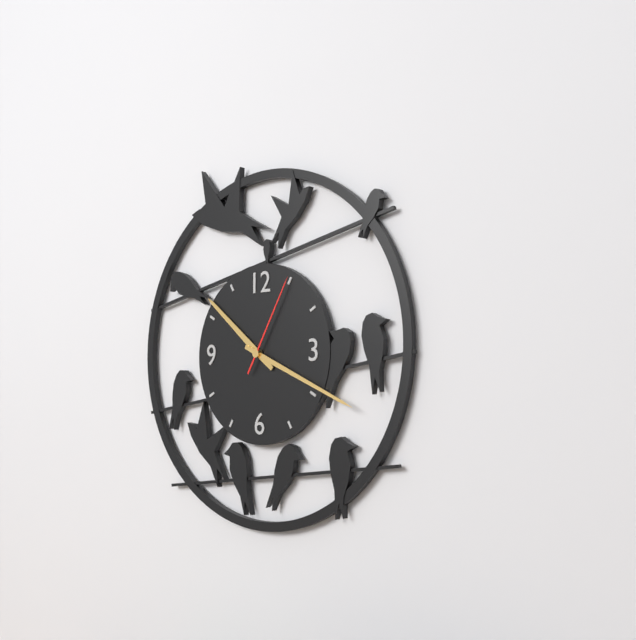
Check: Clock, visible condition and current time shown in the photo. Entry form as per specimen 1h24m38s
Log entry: 10h19m05s
